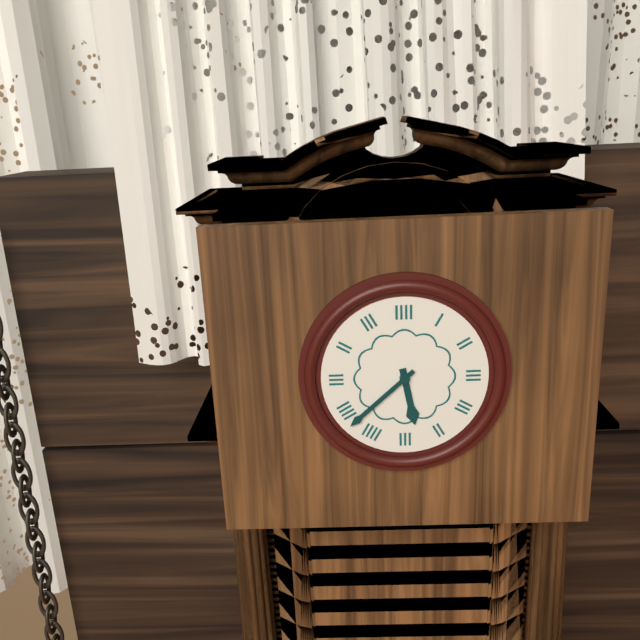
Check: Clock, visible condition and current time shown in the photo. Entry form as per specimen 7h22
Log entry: 5h38
